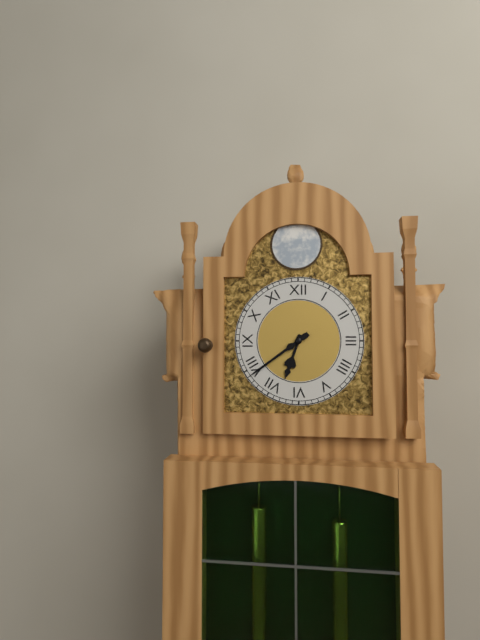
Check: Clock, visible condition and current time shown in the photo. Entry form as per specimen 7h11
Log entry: 6h39
